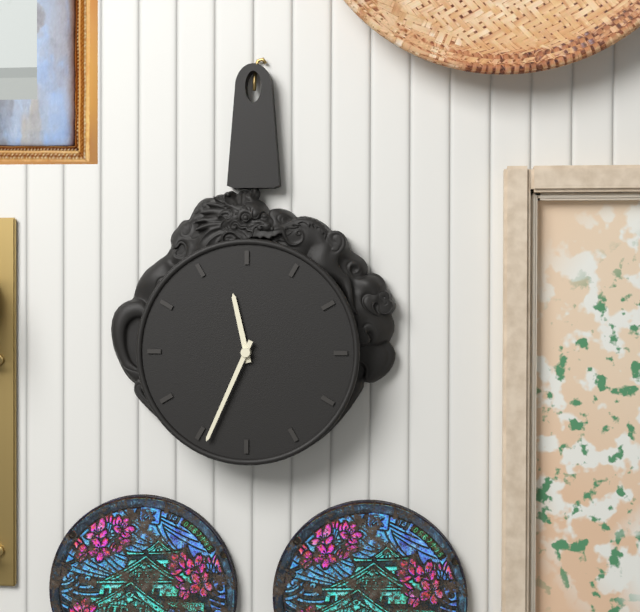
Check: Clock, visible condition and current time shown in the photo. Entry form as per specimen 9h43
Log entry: 11h34
